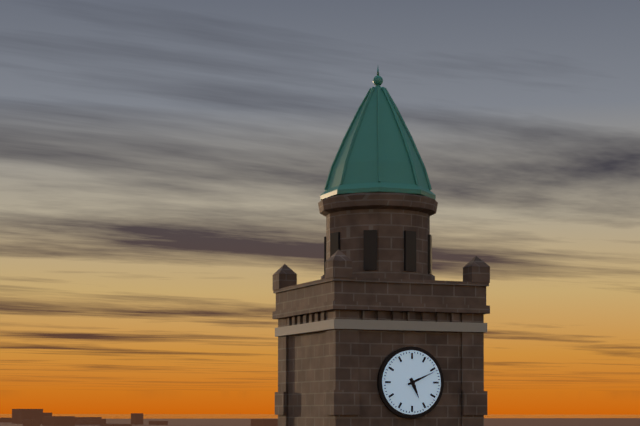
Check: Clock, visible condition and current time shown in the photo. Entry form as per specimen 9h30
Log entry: 5h11
